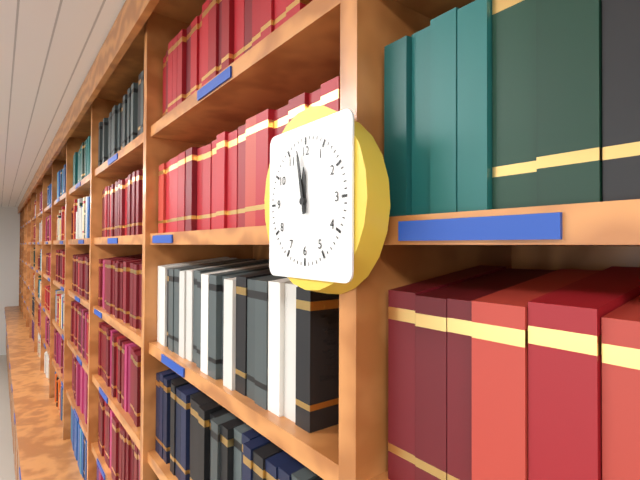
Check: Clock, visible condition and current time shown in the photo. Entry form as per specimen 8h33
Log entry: 11h58
